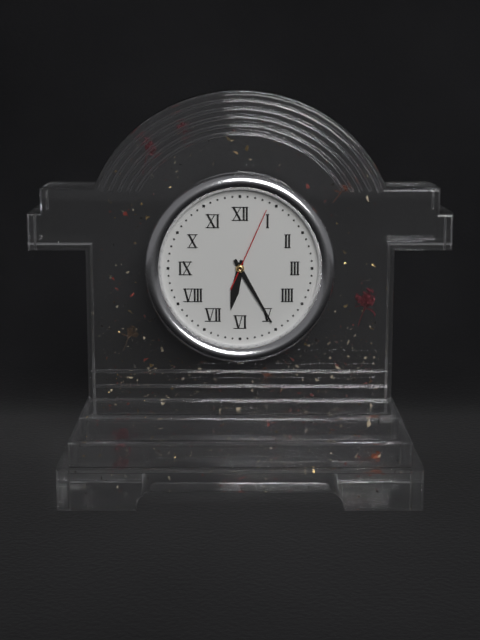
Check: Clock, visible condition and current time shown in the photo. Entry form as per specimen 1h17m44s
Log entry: 6h25m04s
